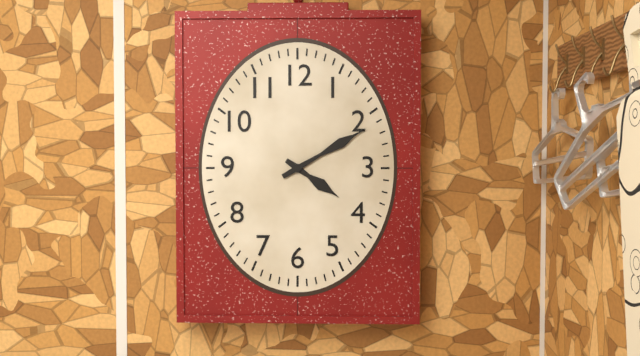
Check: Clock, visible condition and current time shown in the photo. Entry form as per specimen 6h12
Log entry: 4h10
